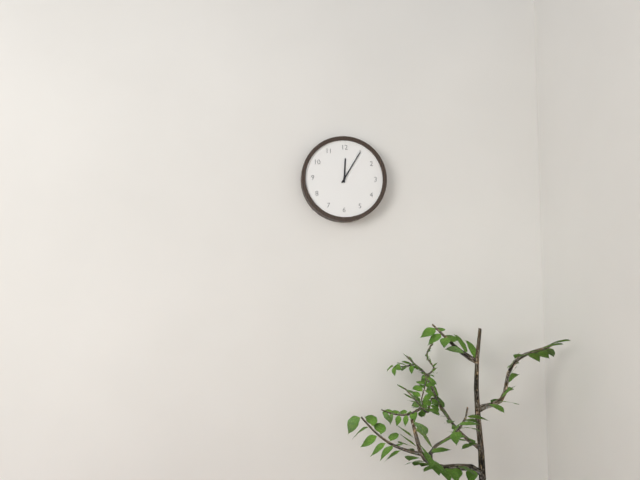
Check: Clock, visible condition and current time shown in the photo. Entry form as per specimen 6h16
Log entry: 12h05
